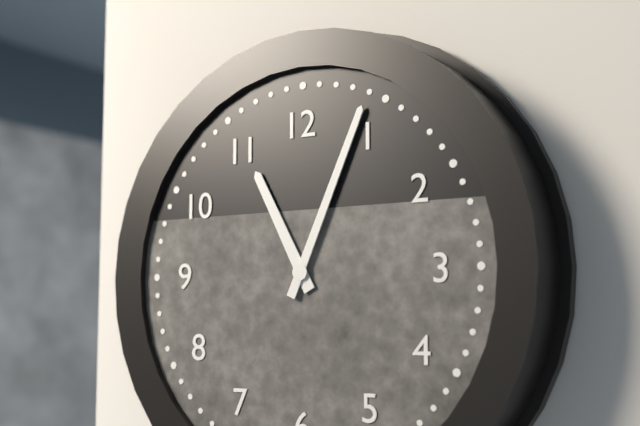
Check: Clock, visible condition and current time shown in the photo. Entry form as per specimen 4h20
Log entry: 11h04
